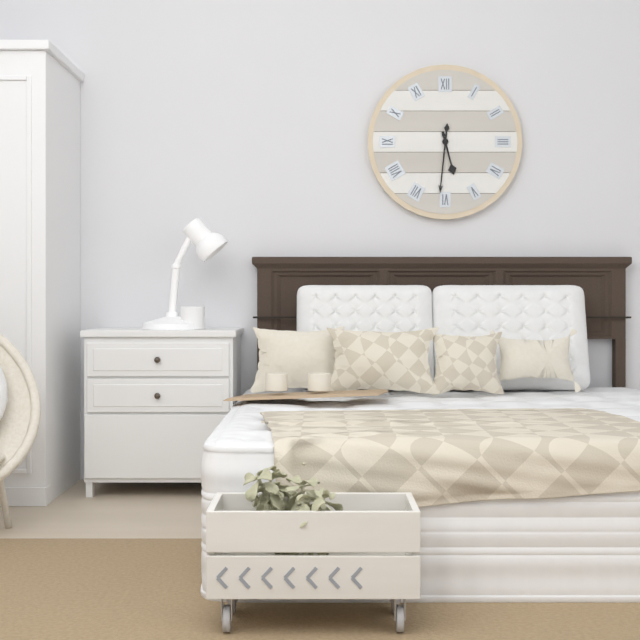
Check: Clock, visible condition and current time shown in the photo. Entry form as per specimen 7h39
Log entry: 5h31
